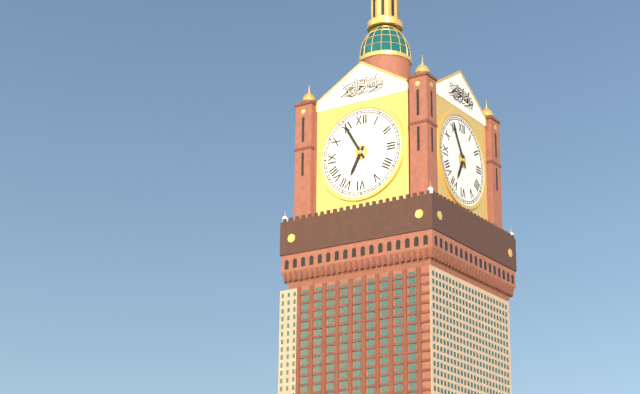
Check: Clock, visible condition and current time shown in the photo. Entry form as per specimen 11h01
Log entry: 6h55
